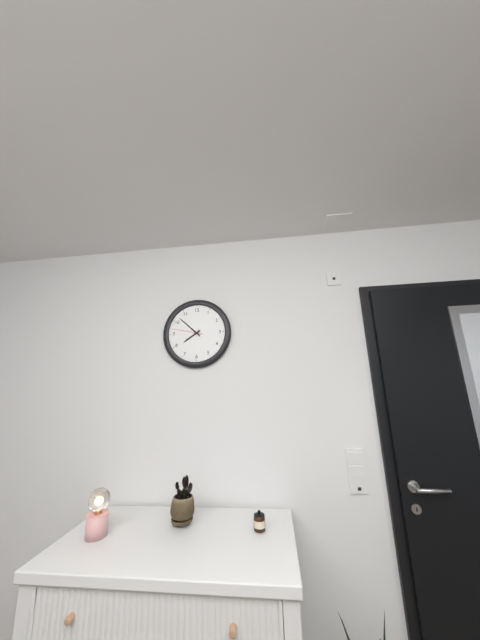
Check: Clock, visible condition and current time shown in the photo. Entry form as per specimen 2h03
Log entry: 7h52
